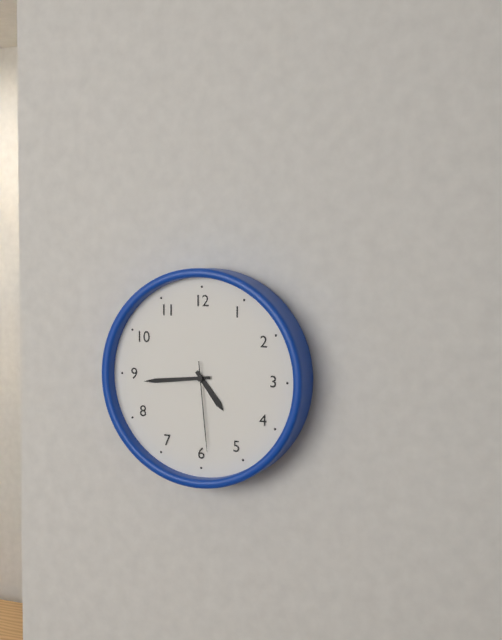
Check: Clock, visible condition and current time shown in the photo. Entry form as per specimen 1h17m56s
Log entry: 4h44m29s
